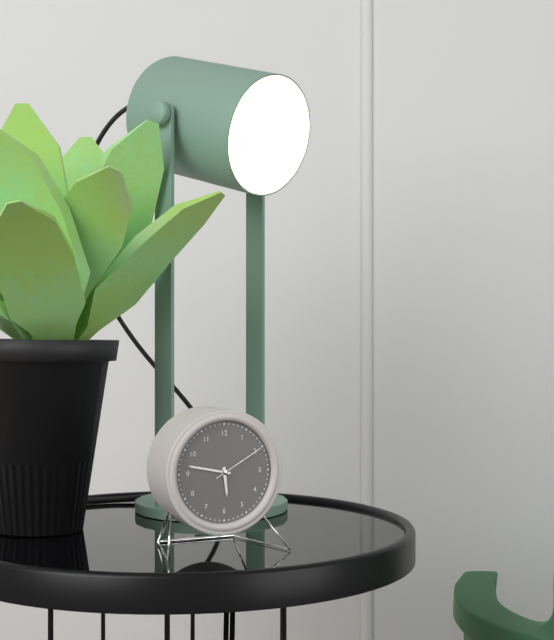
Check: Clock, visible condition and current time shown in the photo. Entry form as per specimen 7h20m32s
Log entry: 5h47m10s
